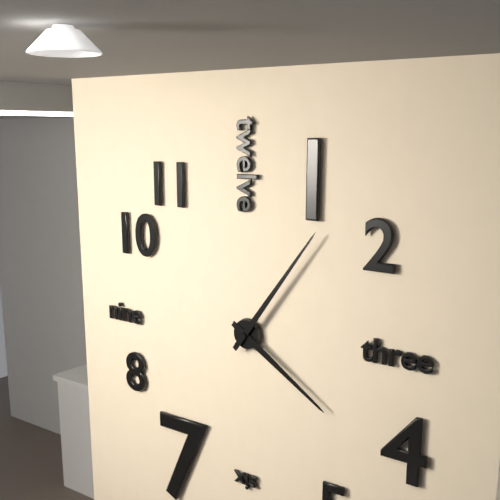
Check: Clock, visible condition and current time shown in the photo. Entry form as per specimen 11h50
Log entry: 4h06
